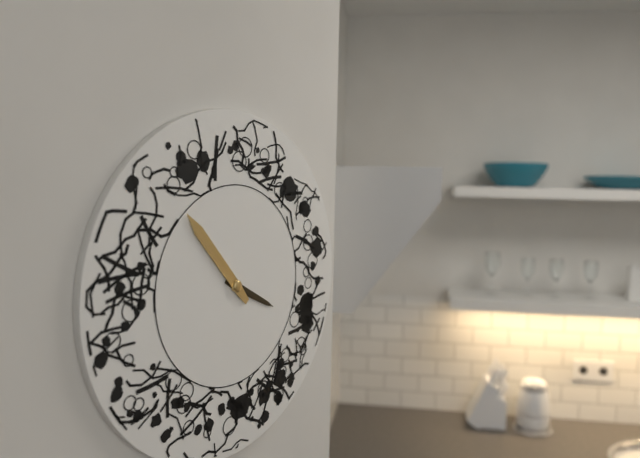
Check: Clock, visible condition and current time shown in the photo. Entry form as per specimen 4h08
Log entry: 3h53
